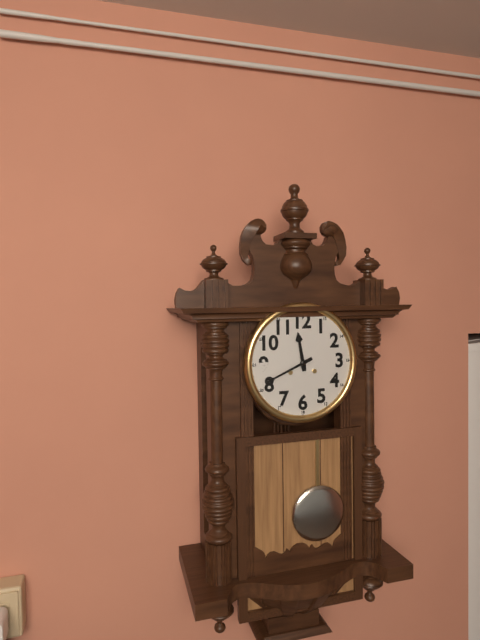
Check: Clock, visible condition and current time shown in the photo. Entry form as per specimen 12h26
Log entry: 11h41
